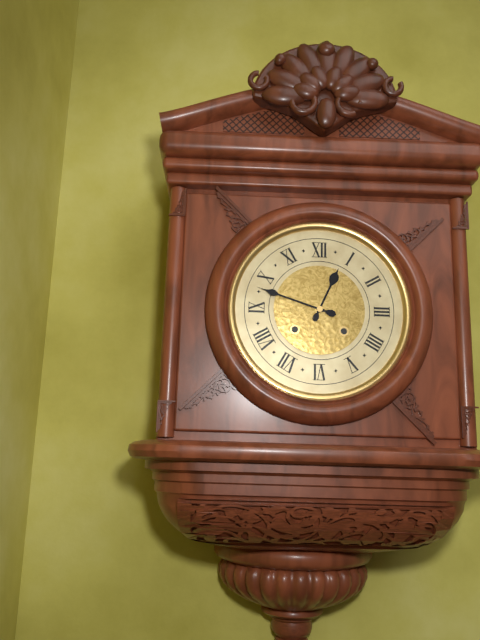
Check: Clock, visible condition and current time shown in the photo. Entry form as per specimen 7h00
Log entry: 12h48
